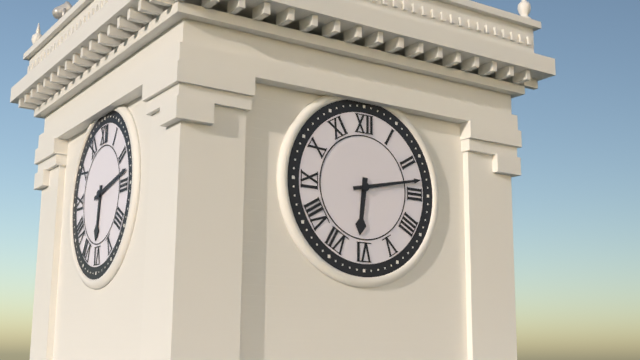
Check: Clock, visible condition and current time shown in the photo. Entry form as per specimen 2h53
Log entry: 6h13
